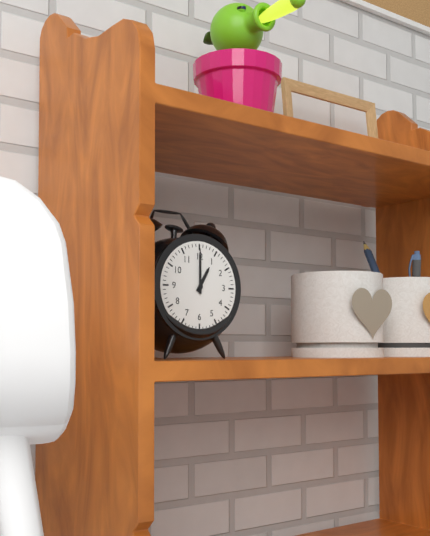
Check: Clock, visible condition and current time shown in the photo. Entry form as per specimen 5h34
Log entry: 1h00
